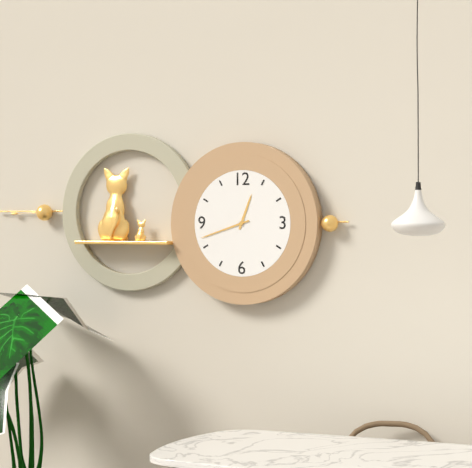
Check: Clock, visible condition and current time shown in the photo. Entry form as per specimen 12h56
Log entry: 12h42
